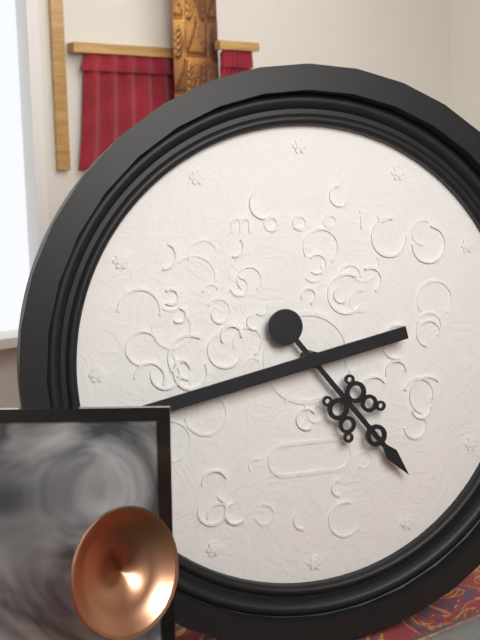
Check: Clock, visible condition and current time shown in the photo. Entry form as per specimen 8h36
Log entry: 4h43
